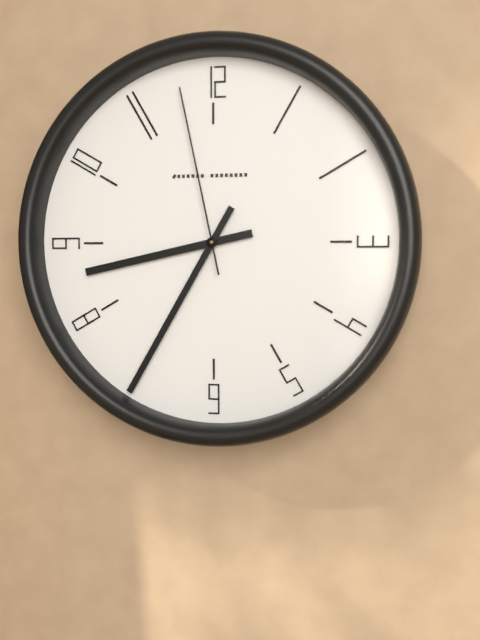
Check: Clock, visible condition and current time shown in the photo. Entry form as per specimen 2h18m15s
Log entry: 8h35m58s
